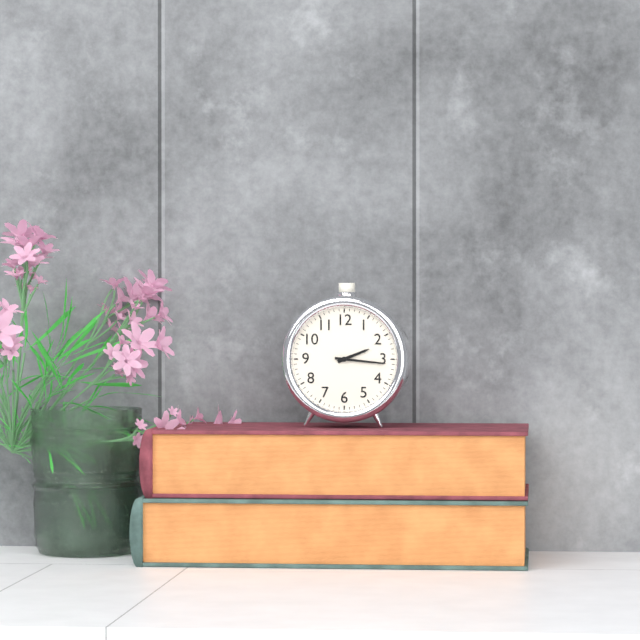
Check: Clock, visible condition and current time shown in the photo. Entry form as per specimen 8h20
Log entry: 2h16
